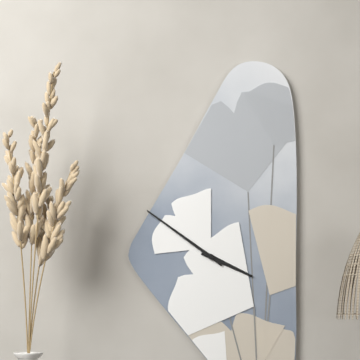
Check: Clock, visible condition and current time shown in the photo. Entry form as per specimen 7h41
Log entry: 3h51
